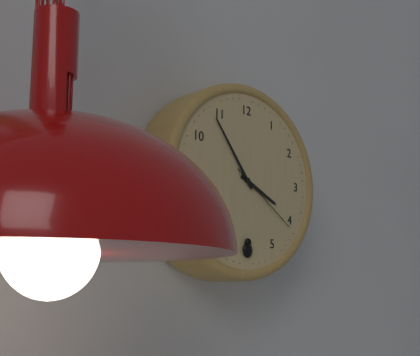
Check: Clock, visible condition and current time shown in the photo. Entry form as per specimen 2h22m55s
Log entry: 3h54m21s
